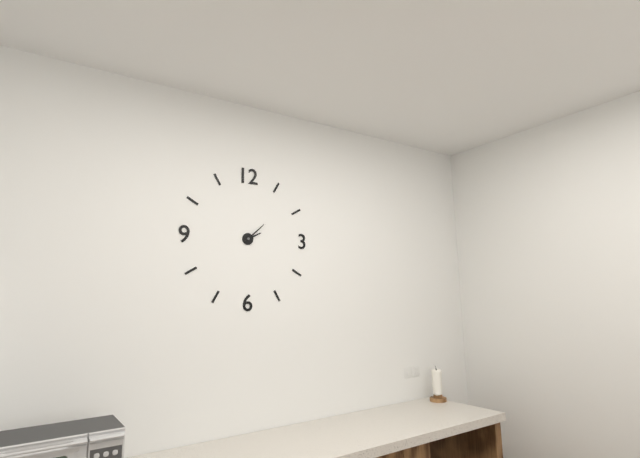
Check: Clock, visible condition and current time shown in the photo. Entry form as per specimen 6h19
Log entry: 2h08
